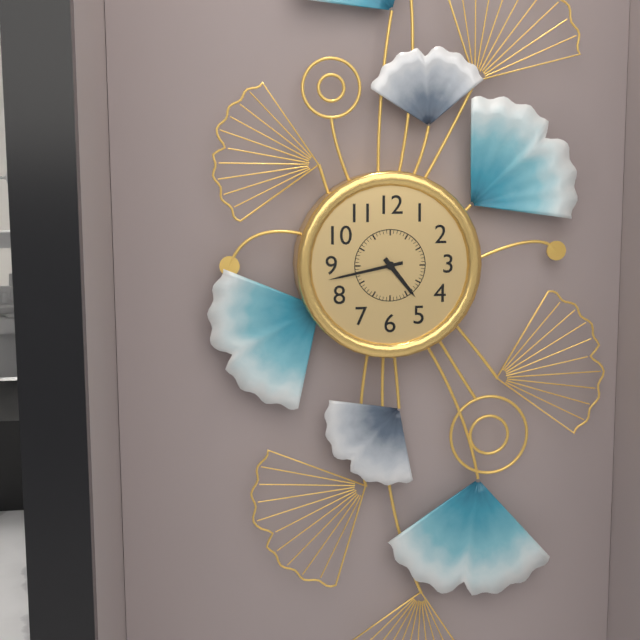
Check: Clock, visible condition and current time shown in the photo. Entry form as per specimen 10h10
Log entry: 4h43
